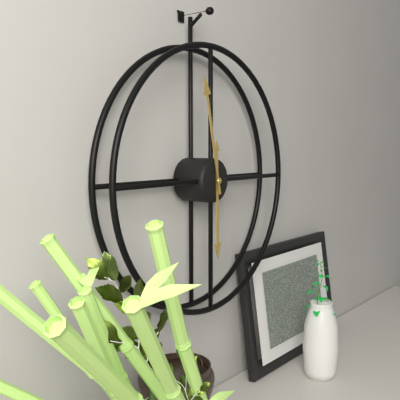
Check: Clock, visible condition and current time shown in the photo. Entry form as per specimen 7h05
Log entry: 5h58
